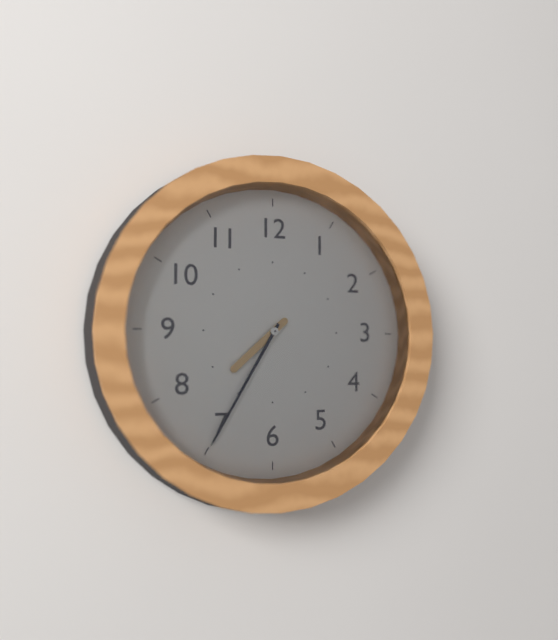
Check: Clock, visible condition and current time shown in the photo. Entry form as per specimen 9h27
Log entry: 7h35
